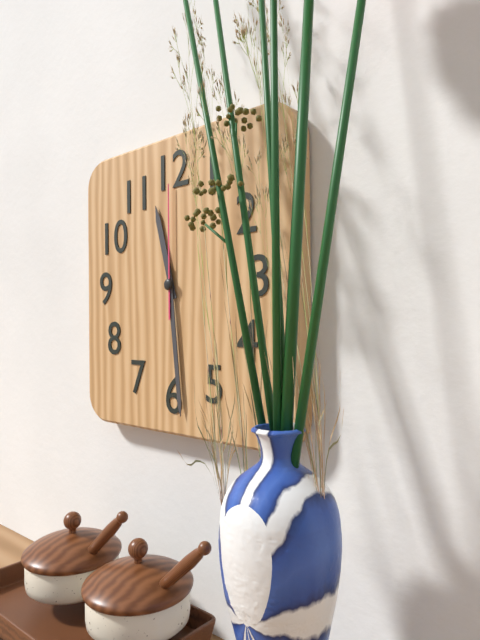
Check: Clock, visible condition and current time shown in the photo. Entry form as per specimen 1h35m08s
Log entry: 11h29m00s
